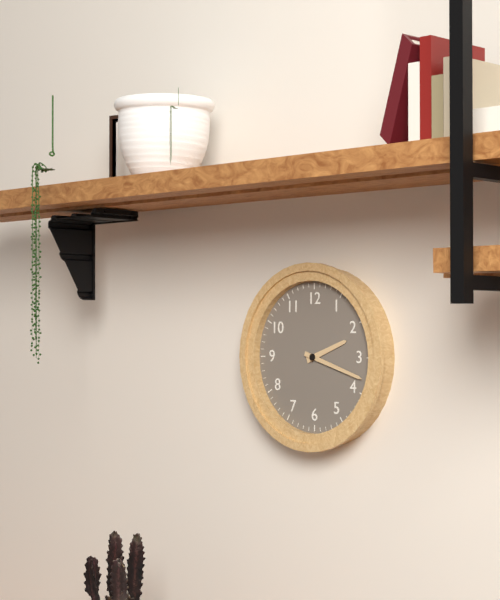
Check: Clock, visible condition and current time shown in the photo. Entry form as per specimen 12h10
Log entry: 2h18
